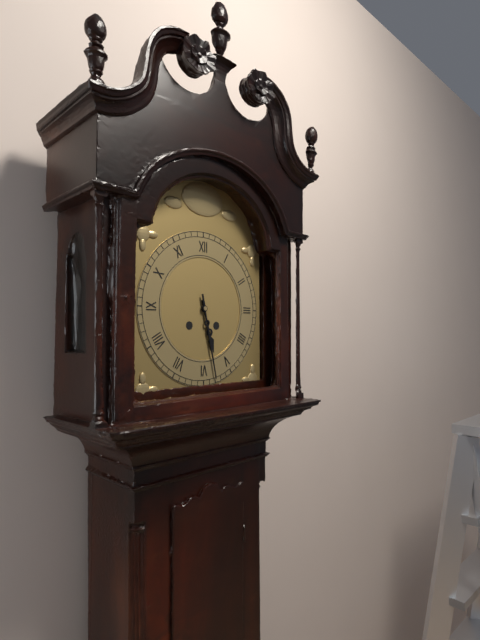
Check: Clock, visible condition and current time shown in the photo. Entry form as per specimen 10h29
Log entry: 5h28
